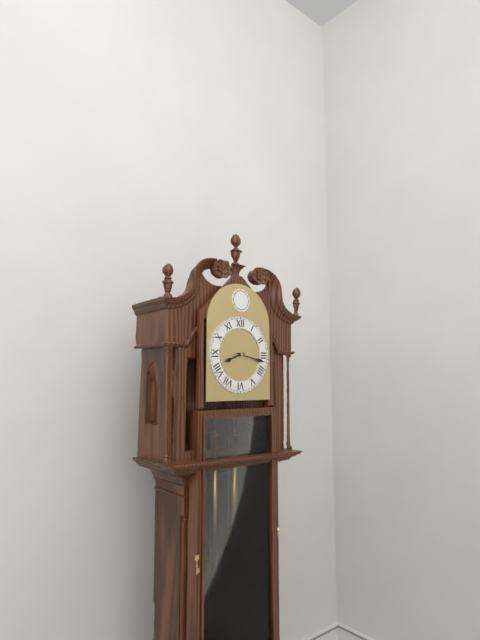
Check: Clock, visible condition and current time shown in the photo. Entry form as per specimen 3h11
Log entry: 8h17
